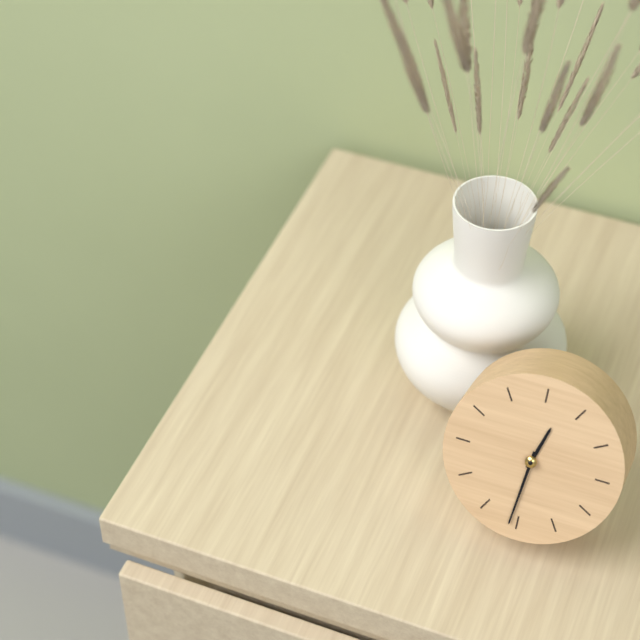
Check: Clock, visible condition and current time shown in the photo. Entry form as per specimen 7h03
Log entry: 12h31
